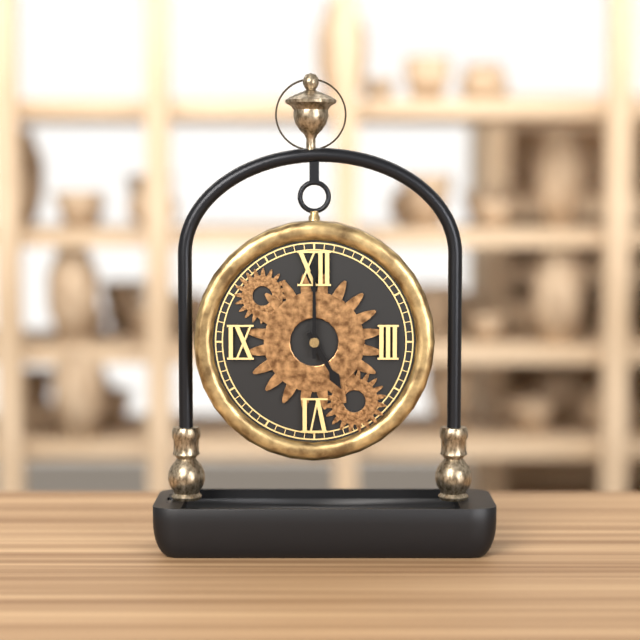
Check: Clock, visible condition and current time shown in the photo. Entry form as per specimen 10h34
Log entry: 5h00
